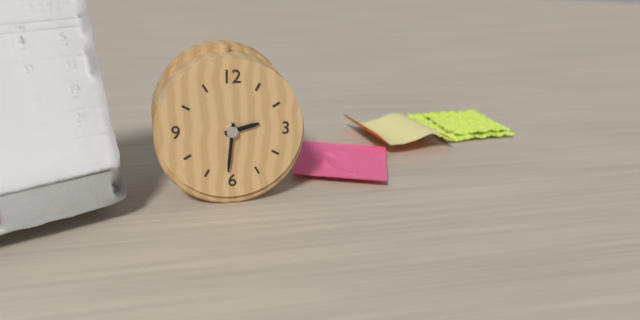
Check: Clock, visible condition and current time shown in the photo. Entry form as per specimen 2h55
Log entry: 2h31
